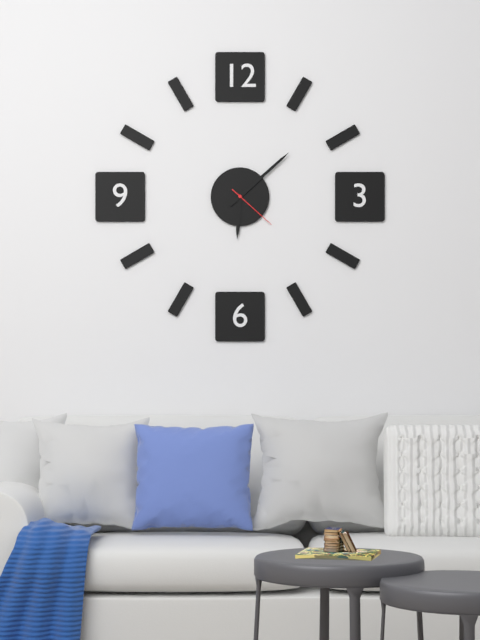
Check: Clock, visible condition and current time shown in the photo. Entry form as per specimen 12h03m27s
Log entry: 6h08m22s
